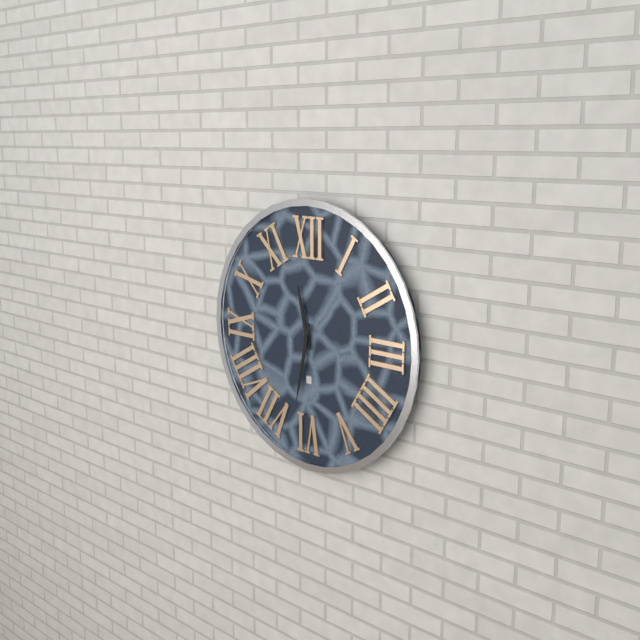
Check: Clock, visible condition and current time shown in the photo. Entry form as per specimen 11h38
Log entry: 11h32
